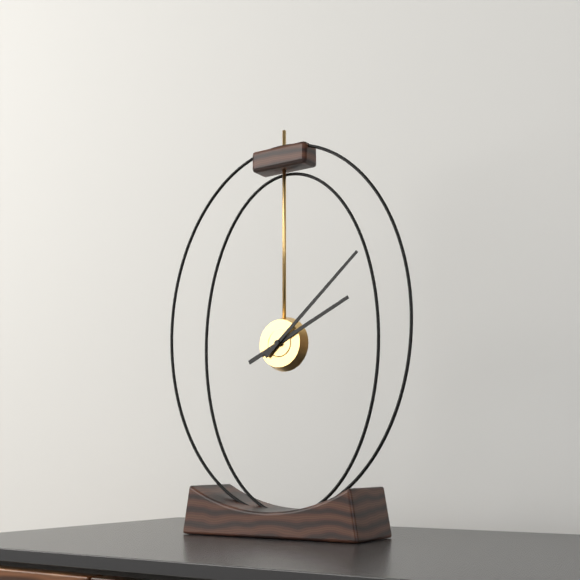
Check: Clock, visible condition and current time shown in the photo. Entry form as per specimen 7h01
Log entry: 2h08
